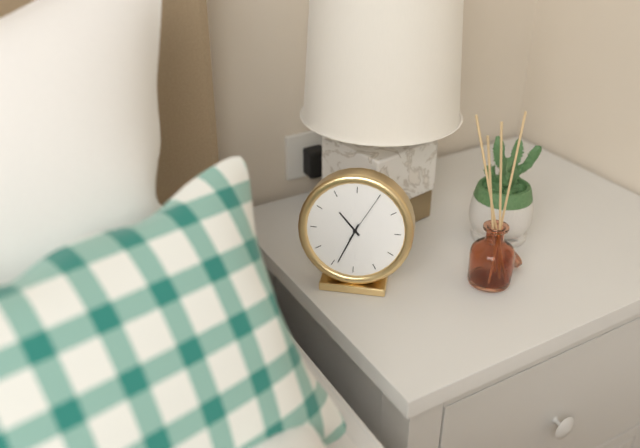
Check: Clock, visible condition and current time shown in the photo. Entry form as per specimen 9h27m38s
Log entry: 10h34m05s
